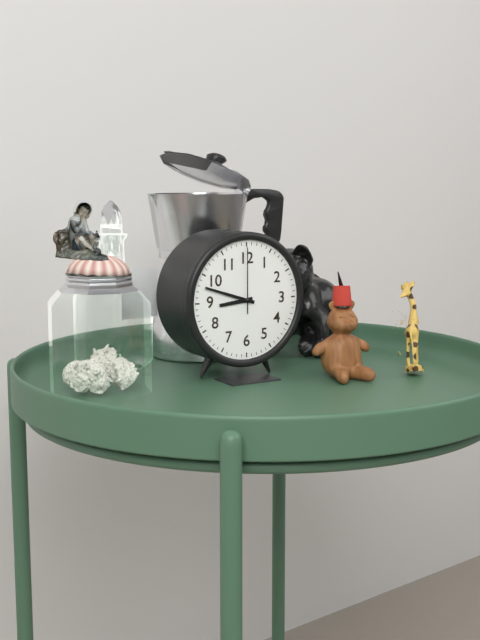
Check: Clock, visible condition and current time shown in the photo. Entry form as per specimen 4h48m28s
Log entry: 8h48m00s
